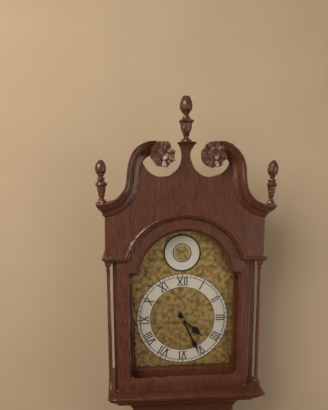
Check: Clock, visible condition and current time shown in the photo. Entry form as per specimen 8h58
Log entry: 4h26
